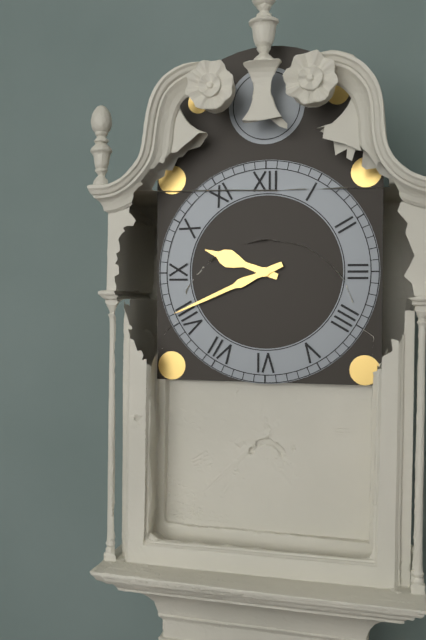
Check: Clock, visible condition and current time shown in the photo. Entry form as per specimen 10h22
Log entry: 9h41
